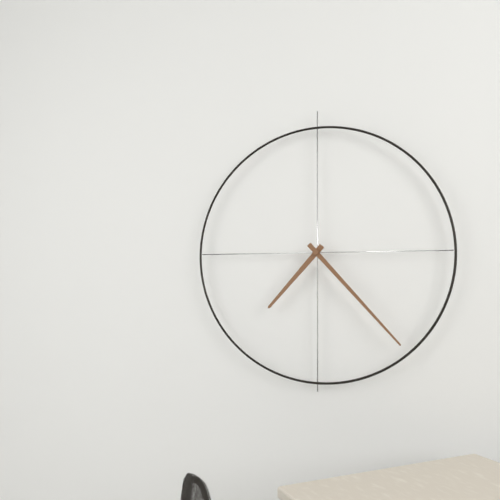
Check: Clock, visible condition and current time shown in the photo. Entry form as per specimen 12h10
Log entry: 7h23
